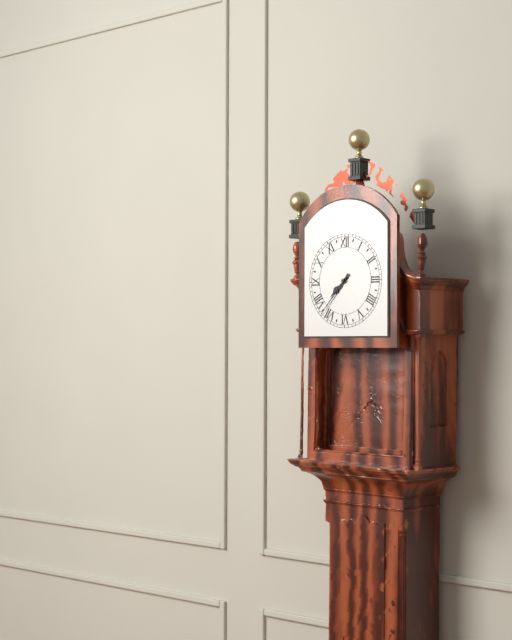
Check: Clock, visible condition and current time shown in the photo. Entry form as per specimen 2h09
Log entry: 7h37
